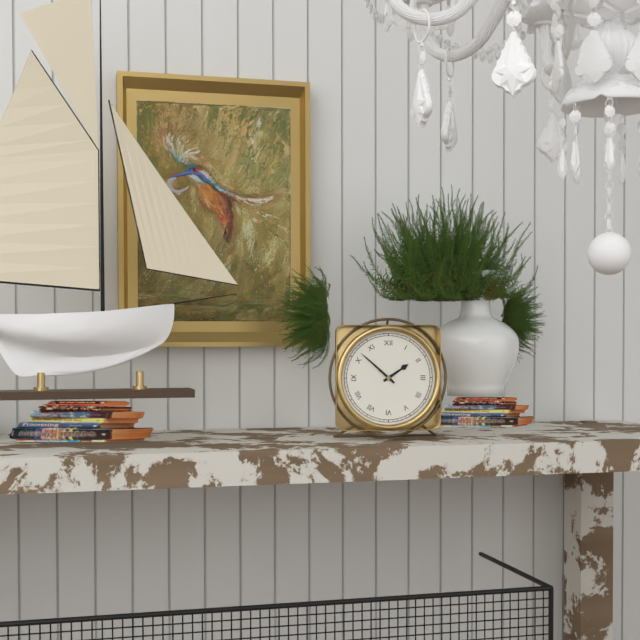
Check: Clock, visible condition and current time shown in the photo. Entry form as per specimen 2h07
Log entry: 1h52
